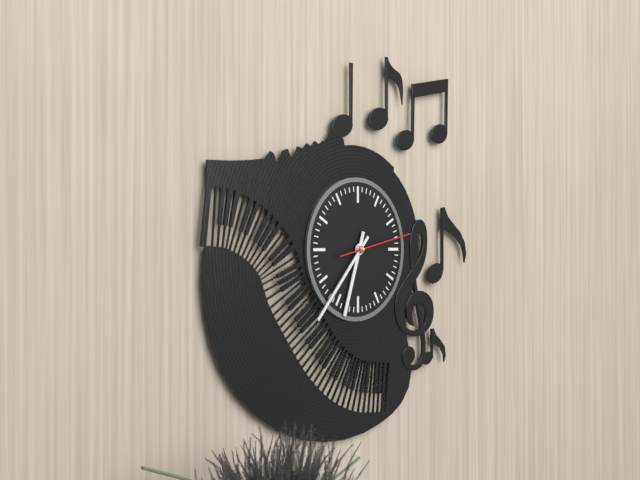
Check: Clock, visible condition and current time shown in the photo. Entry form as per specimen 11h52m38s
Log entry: 6h37m13s
